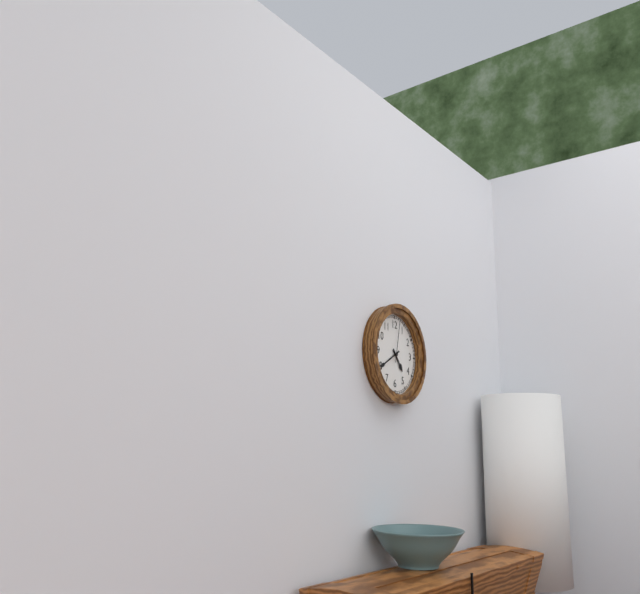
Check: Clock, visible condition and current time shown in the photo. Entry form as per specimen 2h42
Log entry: 4h40
